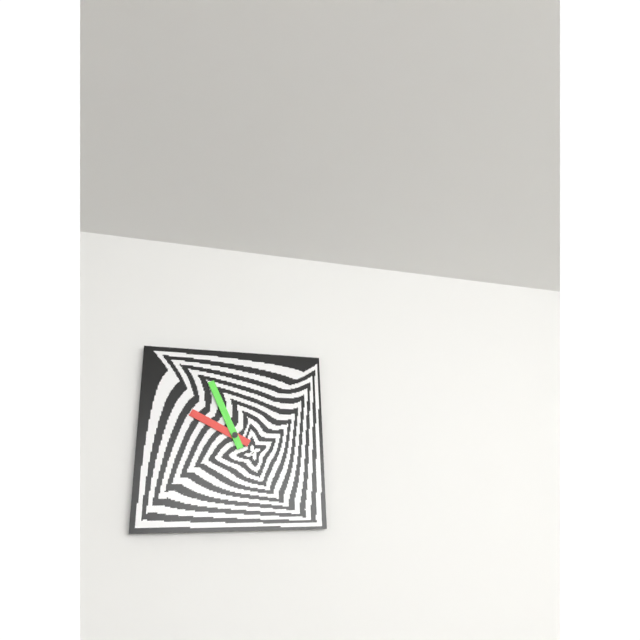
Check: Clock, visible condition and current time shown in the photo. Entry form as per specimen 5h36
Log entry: 9h56
